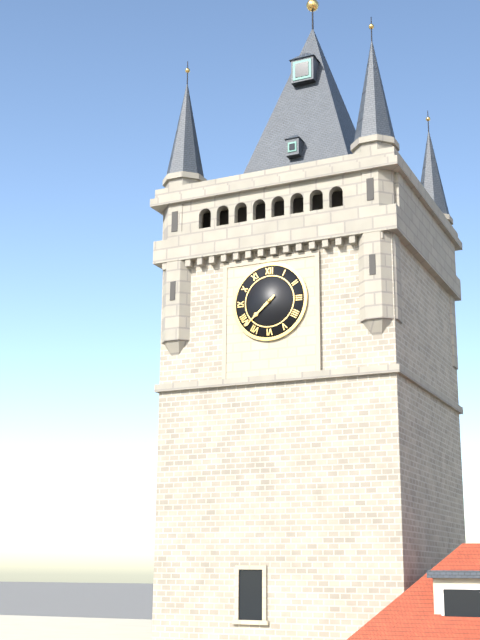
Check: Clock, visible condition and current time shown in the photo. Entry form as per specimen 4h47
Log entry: 7h38
